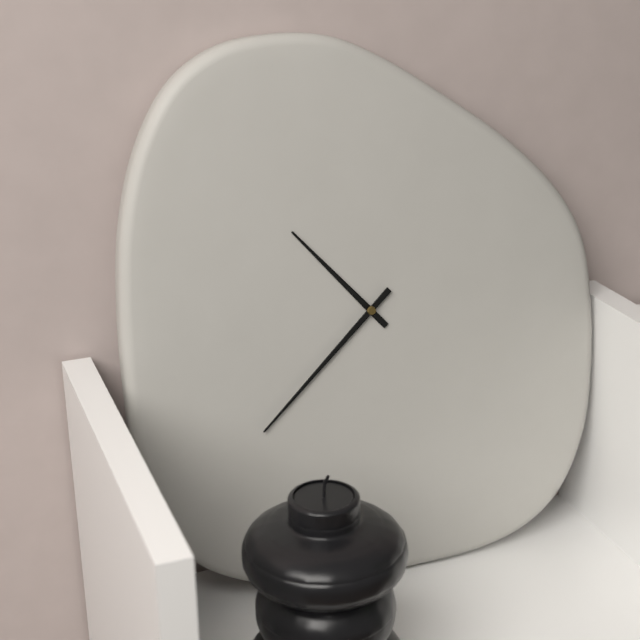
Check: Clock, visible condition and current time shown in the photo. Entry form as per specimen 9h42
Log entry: 10h38
